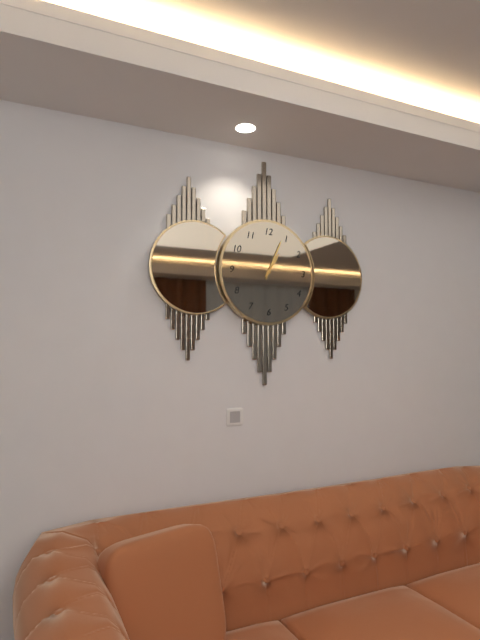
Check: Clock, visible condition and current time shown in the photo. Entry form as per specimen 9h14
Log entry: 1h04
